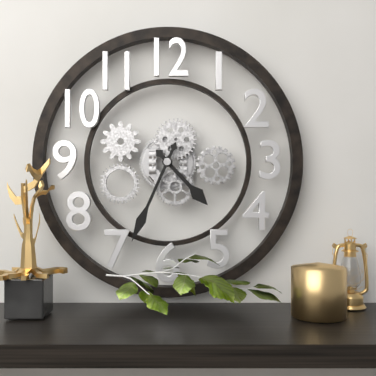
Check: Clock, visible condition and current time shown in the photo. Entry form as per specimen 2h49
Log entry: 4h34
